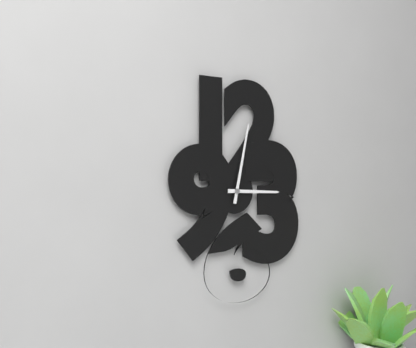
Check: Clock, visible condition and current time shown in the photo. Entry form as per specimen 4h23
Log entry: 3h02
